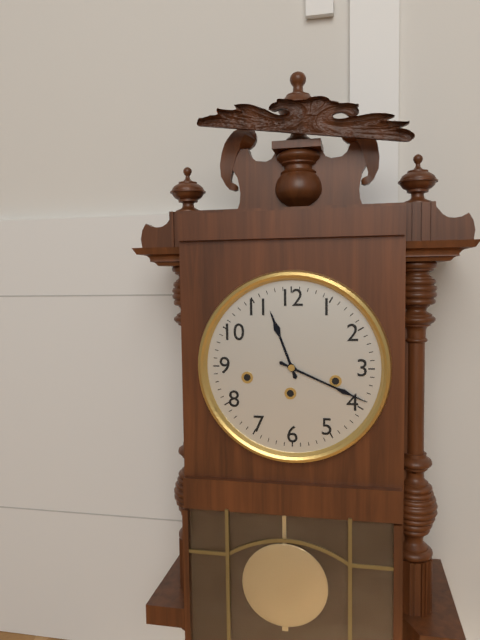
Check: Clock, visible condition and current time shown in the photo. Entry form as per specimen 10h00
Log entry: 11h19
